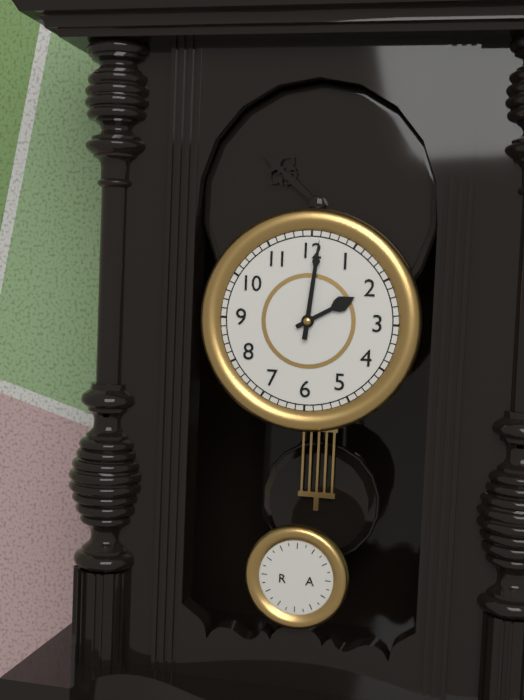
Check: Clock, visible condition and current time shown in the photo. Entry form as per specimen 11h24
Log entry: 2h01
